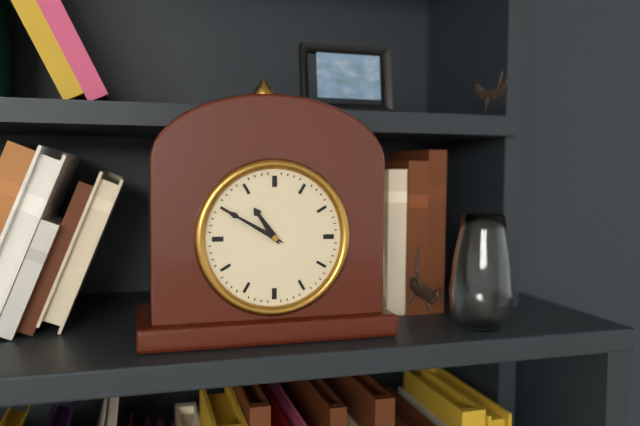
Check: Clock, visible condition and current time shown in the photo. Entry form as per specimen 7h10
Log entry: 10h50
